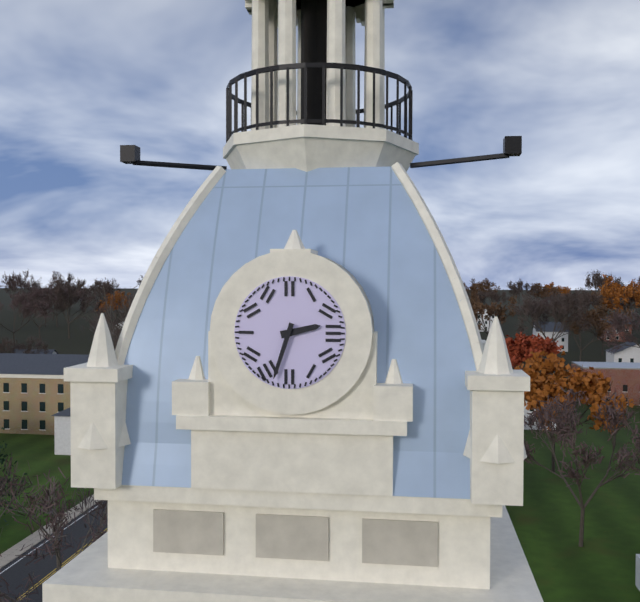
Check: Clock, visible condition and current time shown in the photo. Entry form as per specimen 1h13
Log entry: 2h33
